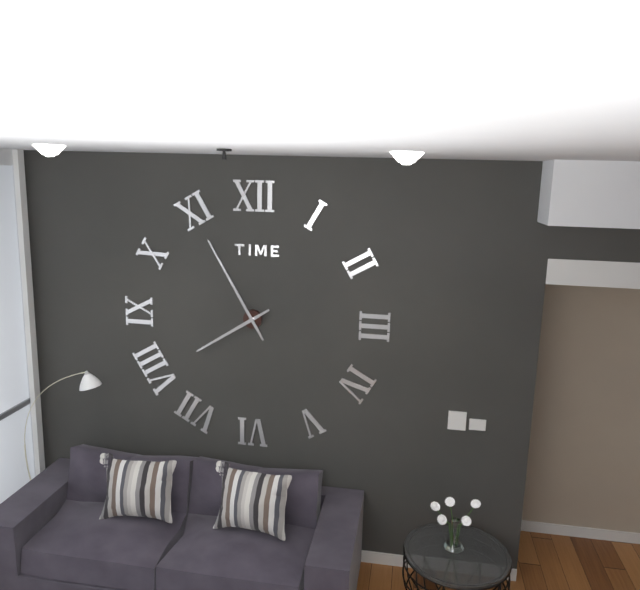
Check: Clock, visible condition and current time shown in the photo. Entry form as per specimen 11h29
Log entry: 7h55
